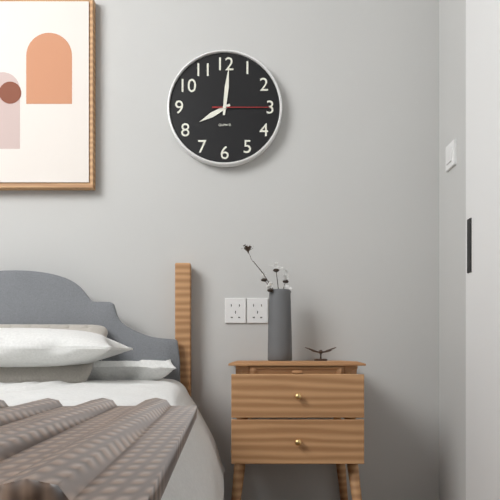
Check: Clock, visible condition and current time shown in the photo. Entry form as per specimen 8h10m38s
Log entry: 8h01m15s
